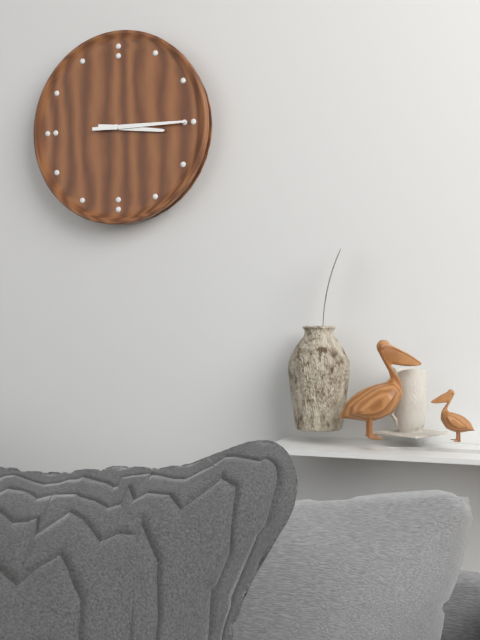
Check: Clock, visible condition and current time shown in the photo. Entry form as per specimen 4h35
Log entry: 3h15
